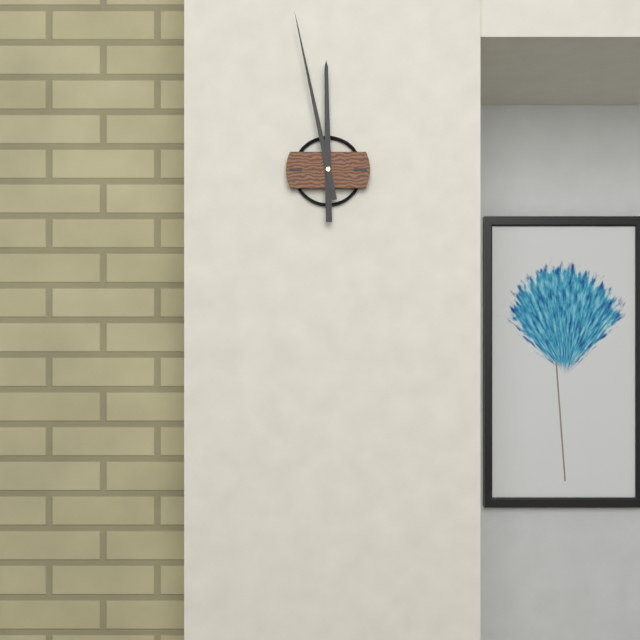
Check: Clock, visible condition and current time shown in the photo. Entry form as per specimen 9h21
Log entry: 11h58
